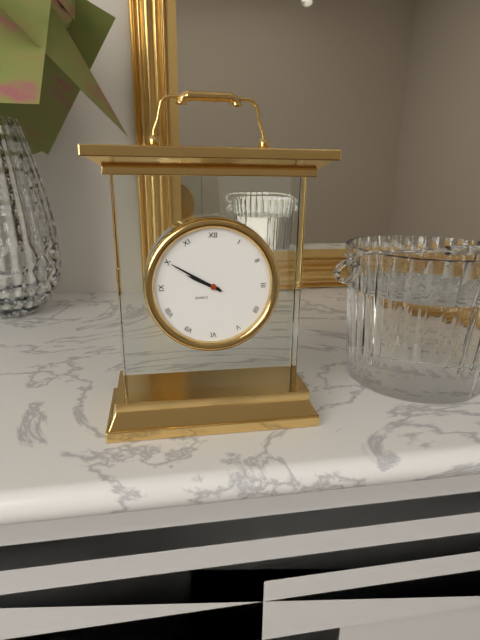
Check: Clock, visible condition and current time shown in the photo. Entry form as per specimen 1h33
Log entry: 9h50
